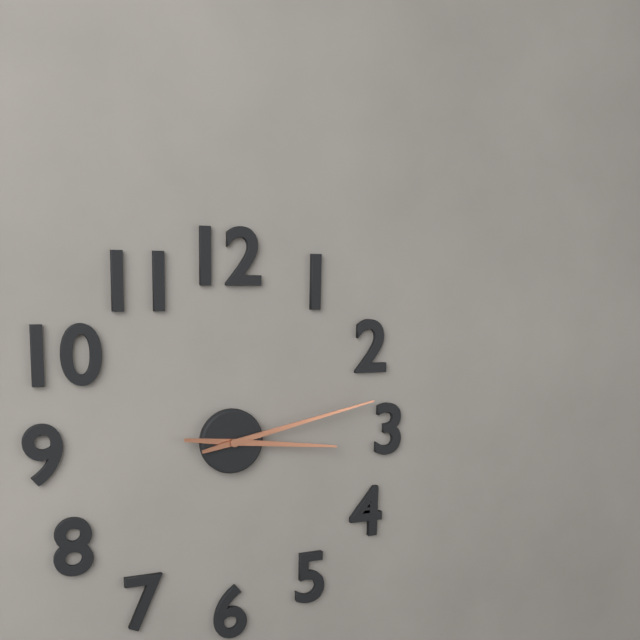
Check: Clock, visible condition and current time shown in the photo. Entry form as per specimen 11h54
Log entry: 3h13
